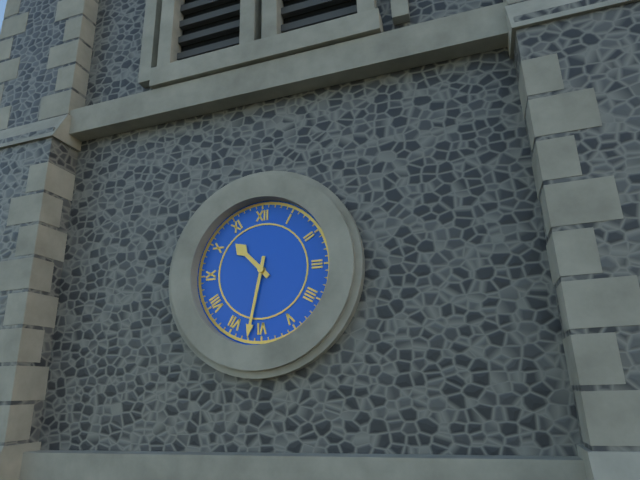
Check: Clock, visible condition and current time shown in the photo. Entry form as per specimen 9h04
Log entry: 10h32
